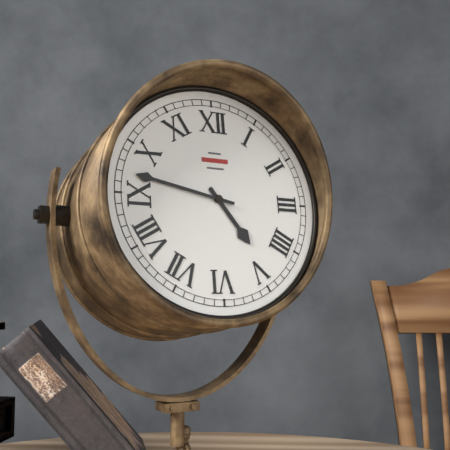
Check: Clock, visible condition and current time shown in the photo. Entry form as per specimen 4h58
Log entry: 4h47
